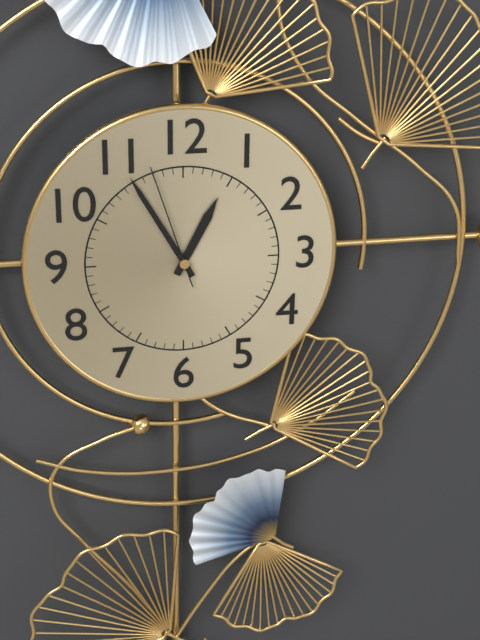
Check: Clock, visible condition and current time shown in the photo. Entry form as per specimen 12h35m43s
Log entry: 12h55m57s
